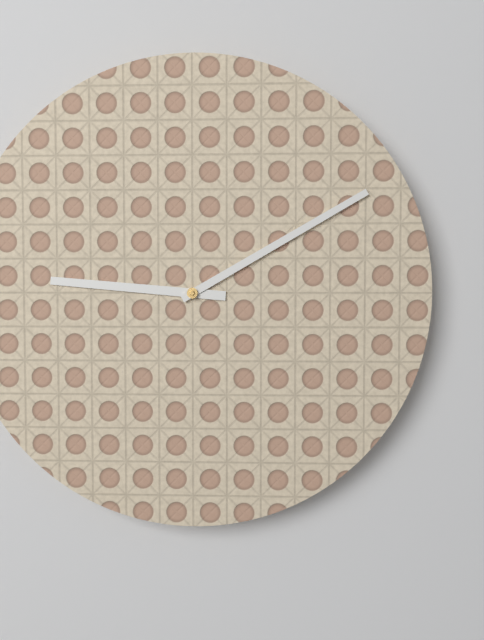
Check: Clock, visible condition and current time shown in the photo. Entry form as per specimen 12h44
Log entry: 9h10
